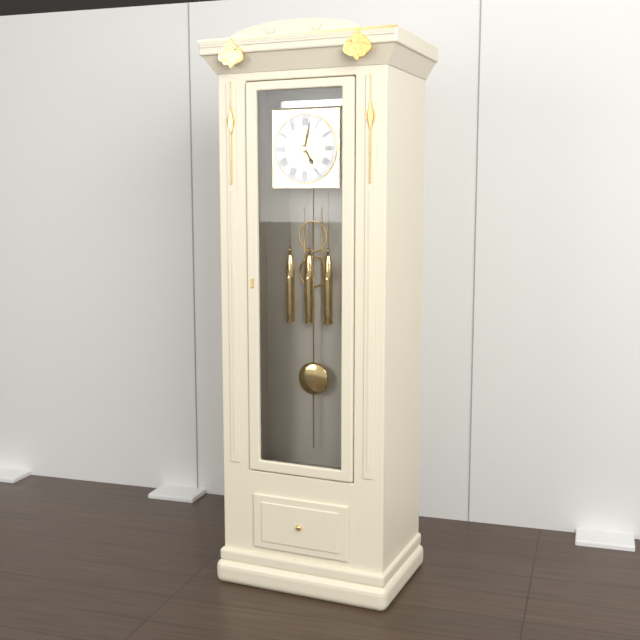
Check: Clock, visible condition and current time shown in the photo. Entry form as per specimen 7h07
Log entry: 5h02
